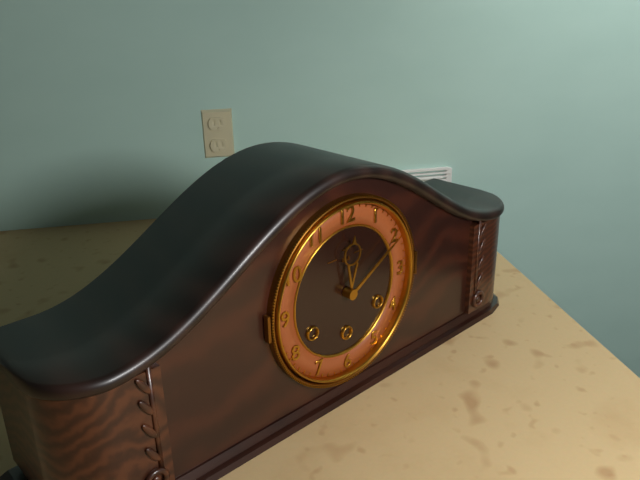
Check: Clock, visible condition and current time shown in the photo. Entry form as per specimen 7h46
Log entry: 12h10
